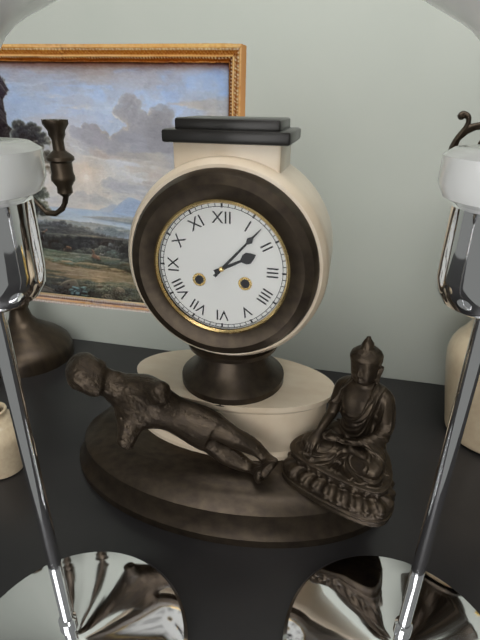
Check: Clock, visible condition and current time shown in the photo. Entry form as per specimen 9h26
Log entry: 2h07
